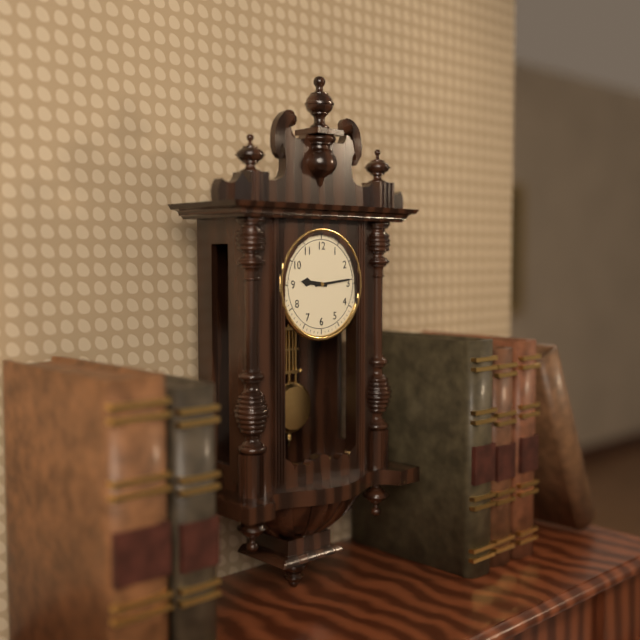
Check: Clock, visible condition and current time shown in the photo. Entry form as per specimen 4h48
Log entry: 9h14
